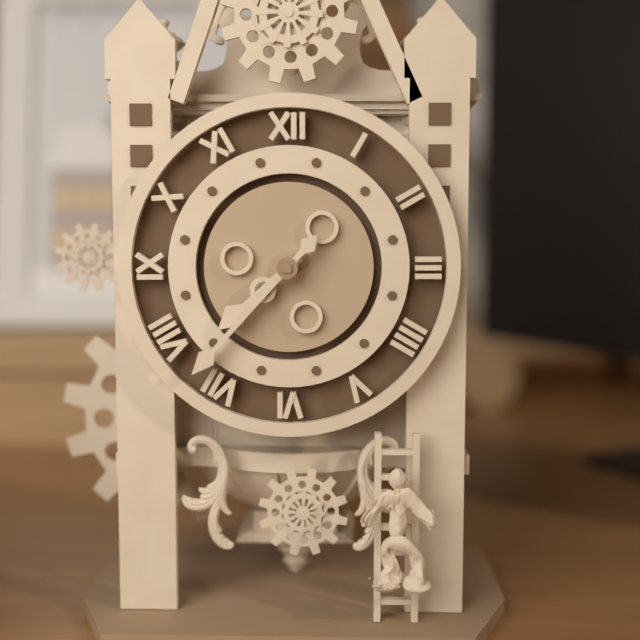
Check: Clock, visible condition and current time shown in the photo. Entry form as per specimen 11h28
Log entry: 7h37
